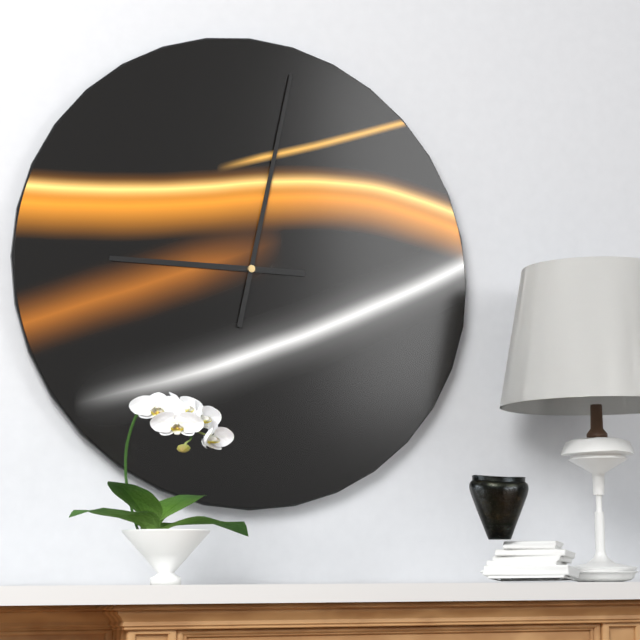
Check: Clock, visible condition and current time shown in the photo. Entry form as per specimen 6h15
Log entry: 9h02
